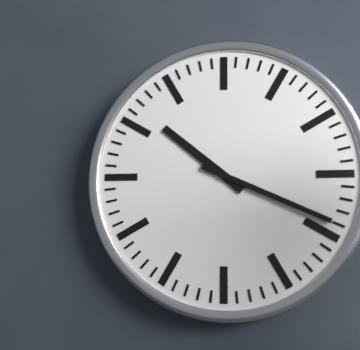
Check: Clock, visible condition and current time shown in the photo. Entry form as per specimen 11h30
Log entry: 10h19
